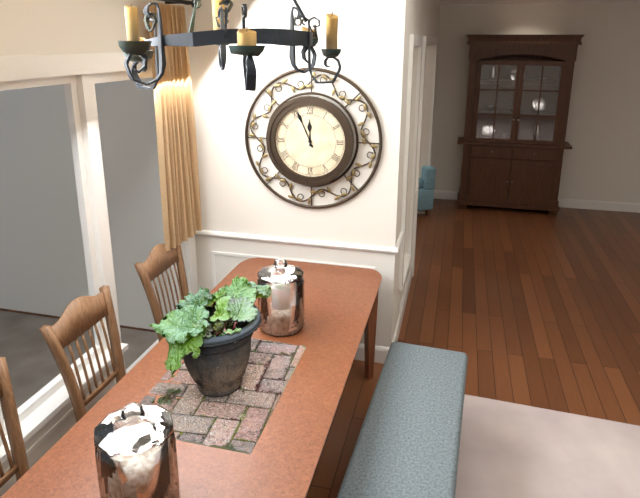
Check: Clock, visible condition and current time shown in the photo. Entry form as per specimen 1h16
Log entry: 11h56
